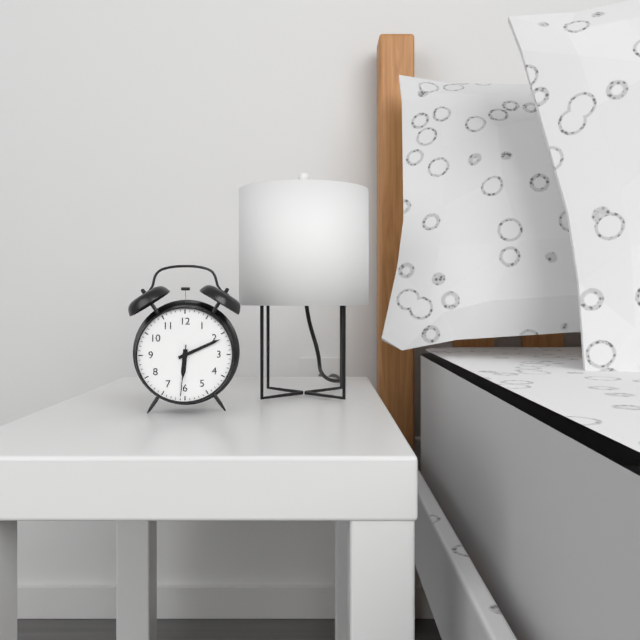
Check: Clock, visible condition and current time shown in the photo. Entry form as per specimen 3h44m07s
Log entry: 6h11m31s
